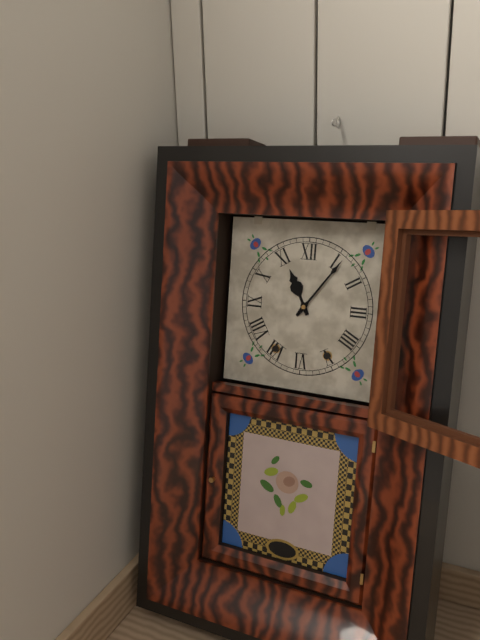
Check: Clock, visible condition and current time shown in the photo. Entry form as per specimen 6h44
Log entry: 11h06
